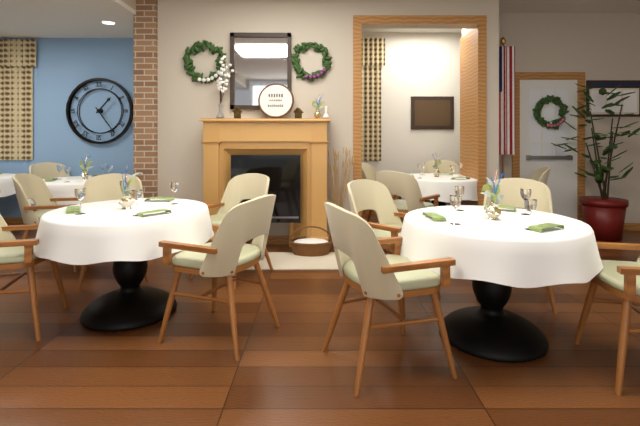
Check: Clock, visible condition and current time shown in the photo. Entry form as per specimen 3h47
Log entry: 1h24
